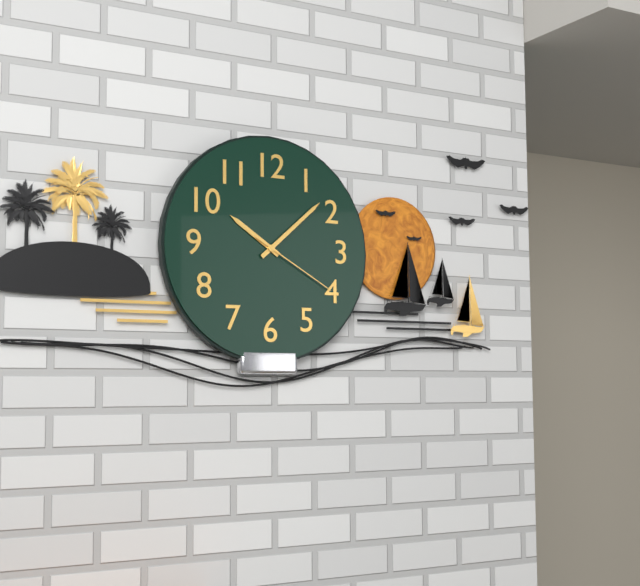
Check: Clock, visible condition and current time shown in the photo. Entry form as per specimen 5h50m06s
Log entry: 10h08m20s
